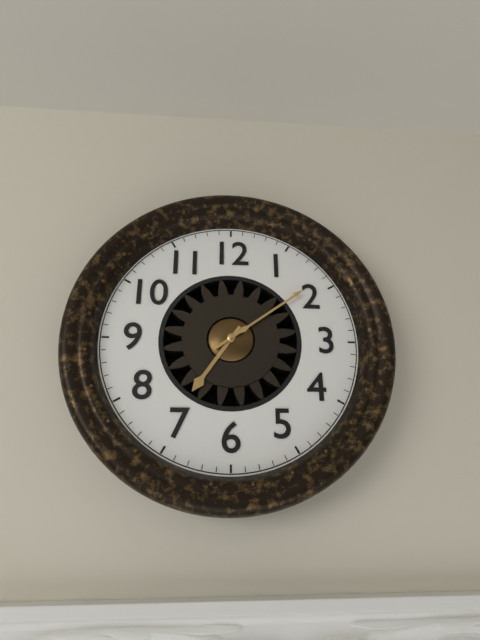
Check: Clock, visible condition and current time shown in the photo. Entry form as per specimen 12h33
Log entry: 7h09
